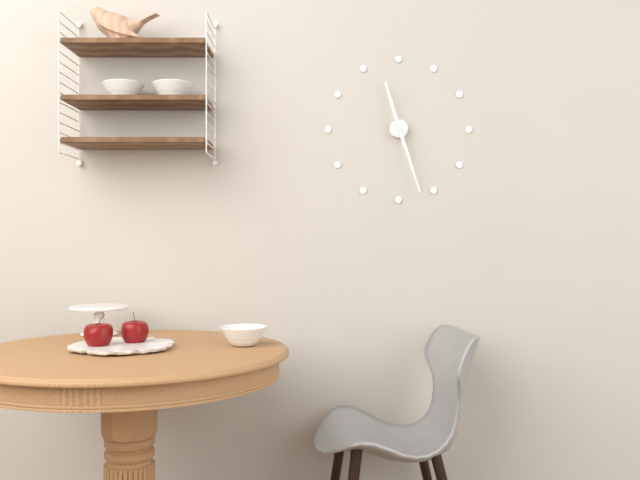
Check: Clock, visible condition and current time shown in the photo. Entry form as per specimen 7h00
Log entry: 11h27
